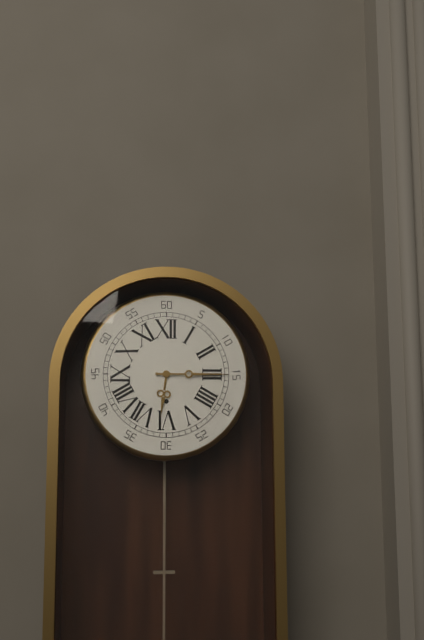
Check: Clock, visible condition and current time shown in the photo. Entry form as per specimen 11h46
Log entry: 6h15
